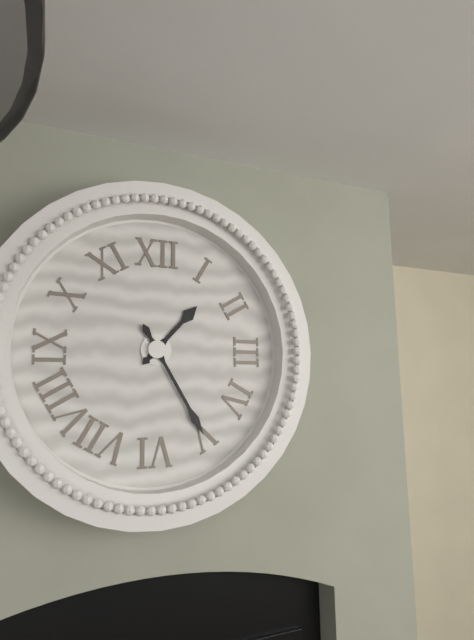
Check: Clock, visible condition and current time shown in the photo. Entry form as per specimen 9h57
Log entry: 1h25
